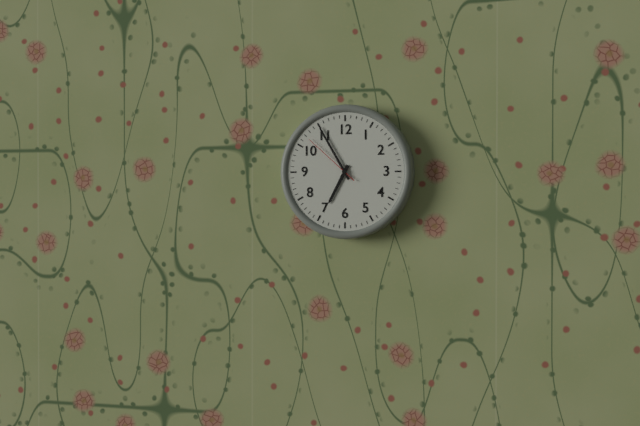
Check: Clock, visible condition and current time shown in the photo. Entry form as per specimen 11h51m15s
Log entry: 6h55m52s
